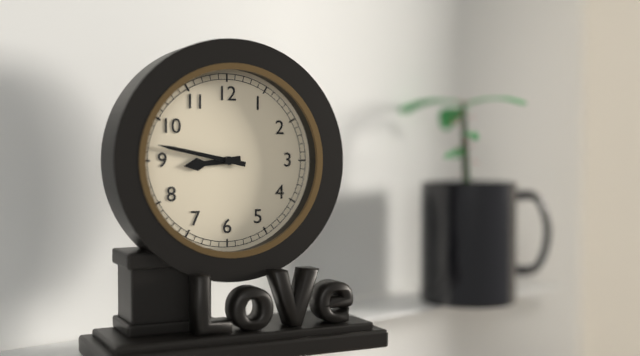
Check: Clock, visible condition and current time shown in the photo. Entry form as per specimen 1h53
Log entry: 8h47
